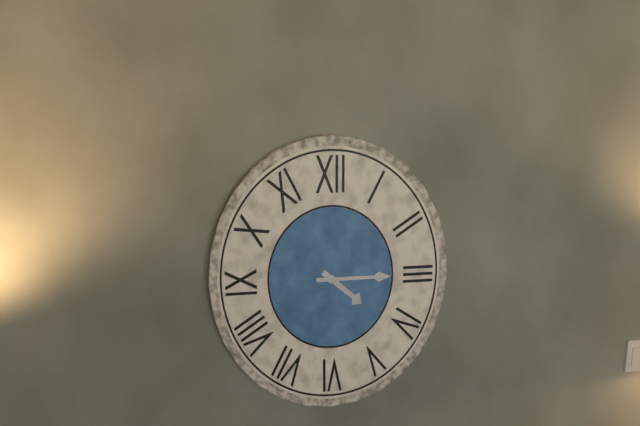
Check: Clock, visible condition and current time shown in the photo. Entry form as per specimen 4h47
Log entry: 4h15
